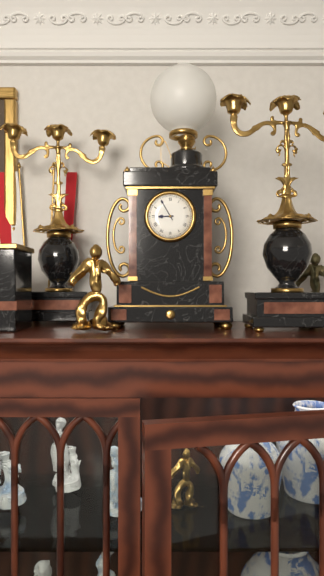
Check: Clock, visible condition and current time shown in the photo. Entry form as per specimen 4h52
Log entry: 8h55
